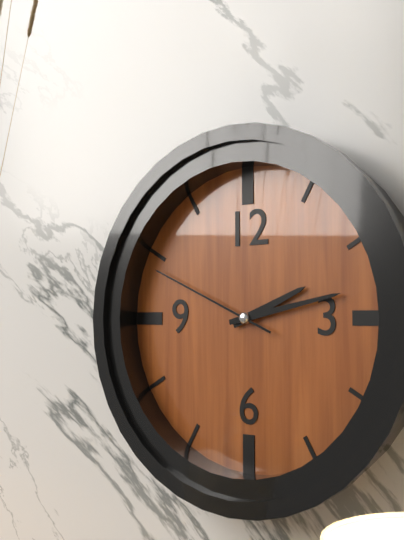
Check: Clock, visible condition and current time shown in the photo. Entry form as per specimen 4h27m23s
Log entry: 2h13m49s
